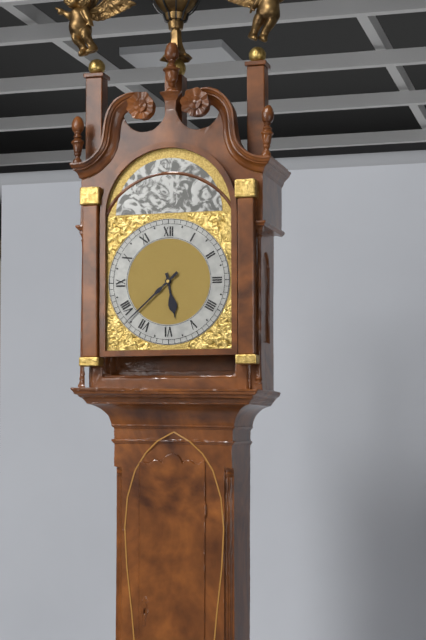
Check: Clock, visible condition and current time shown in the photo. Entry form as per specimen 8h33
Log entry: 5h38
